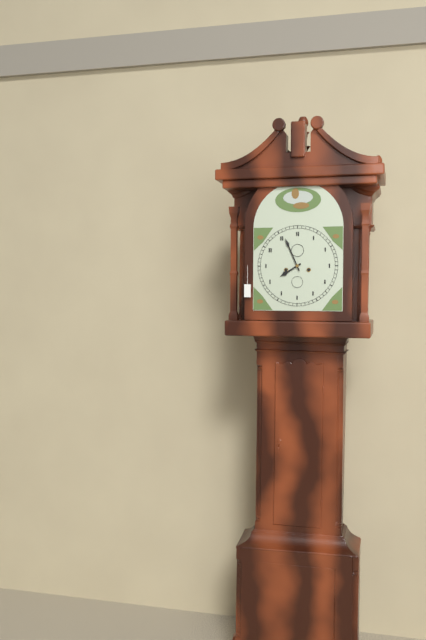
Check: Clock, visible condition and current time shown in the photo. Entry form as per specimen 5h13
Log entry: 7h56
